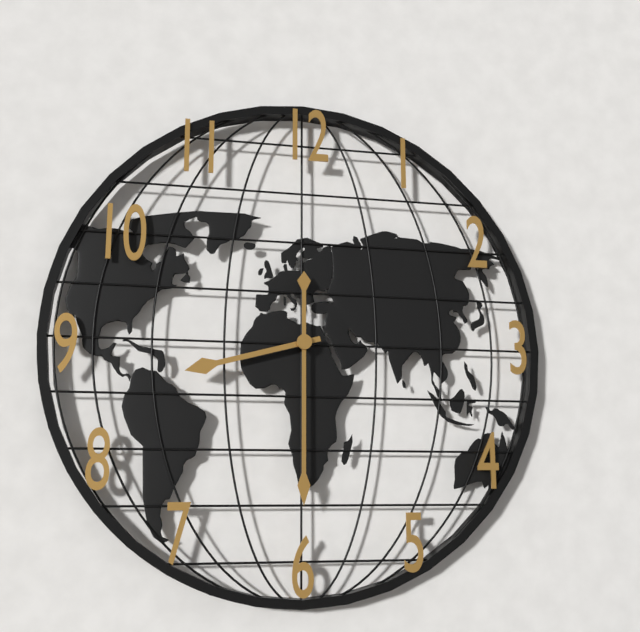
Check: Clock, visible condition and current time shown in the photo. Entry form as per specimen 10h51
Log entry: 8h30
